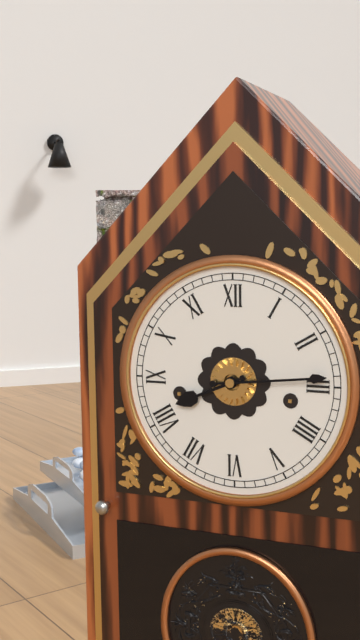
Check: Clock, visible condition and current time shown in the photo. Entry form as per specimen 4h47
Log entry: 8h14
